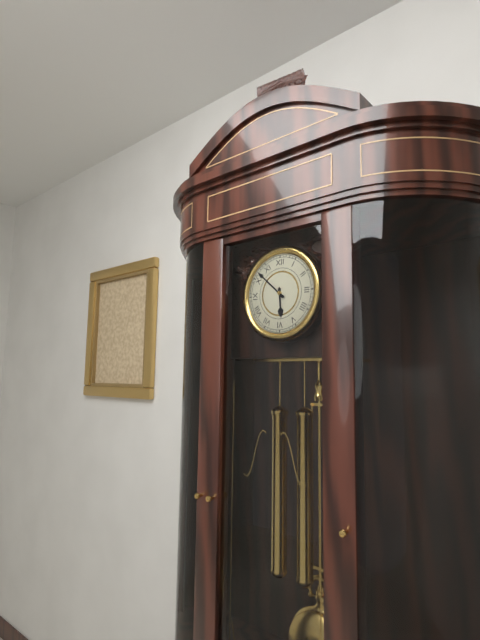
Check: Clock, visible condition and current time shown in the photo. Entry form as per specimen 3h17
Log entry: 5h52
